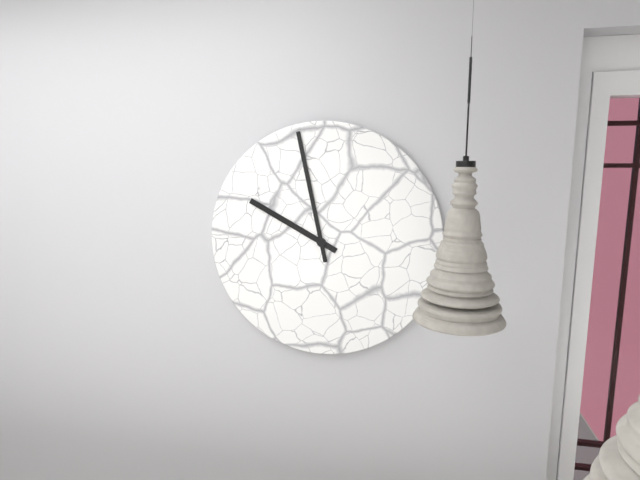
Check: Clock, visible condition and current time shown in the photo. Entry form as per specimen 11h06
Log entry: 9h58
